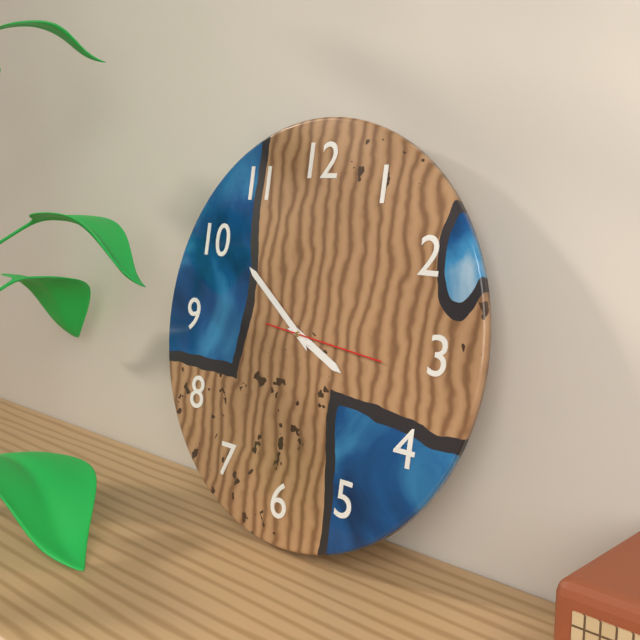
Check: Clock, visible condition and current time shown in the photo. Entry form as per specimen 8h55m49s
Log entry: 3h51m16s
